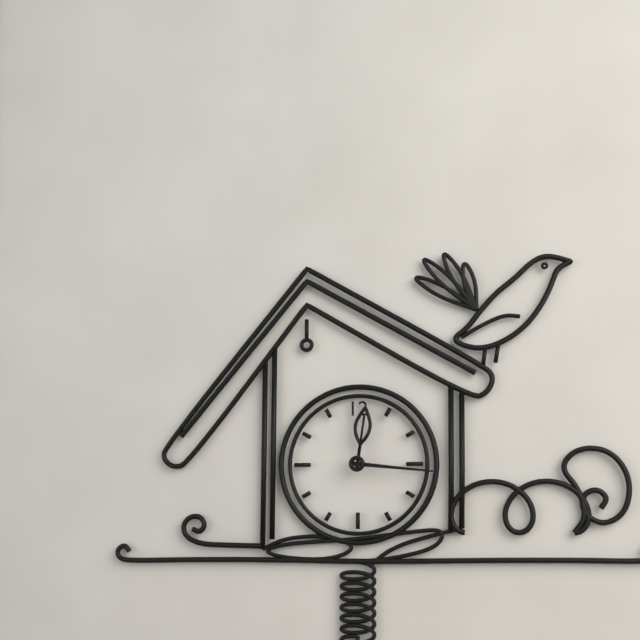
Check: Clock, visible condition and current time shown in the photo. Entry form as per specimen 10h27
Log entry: 12h16
